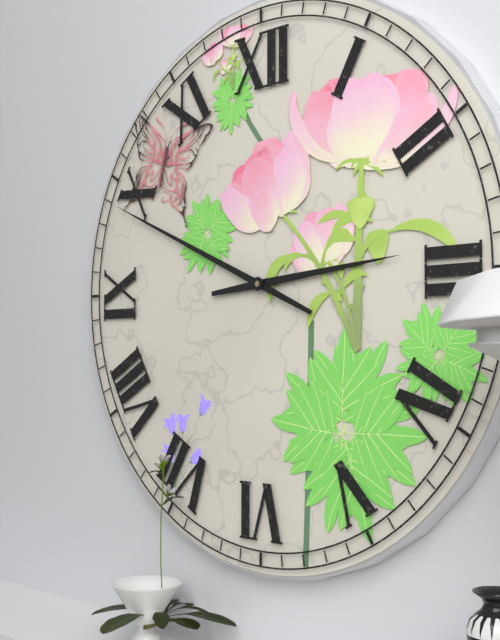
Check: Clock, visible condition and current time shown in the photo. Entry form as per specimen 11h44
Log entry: 2h49
